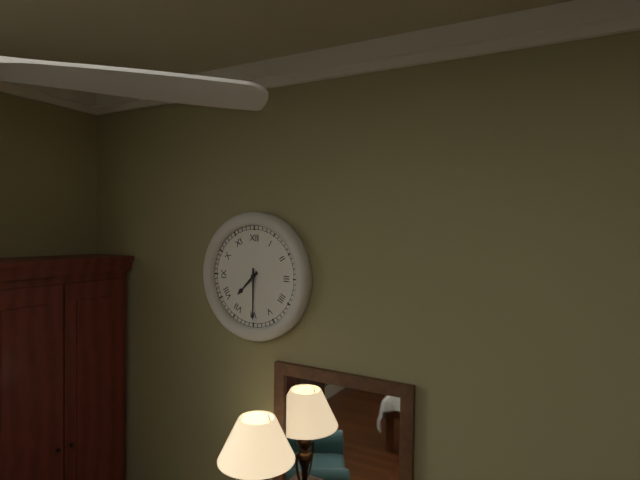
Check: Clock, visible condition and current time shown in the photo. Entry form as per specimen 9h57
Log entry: 7h30
